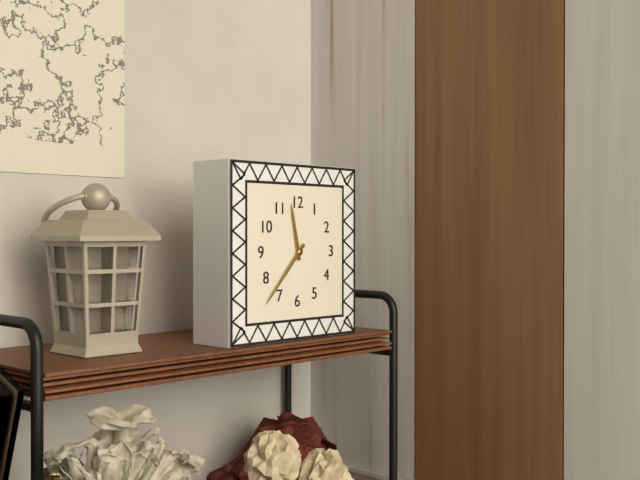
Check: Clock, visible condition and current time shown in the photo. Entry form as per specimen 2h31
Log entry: 11h37
